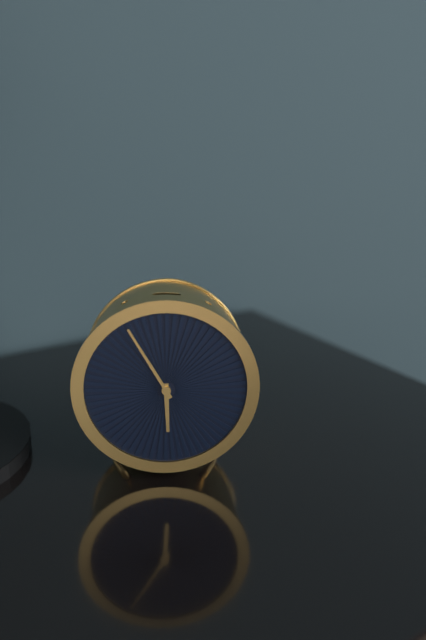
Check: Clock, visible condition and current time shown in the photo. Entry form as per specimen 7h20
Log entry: 5h55
